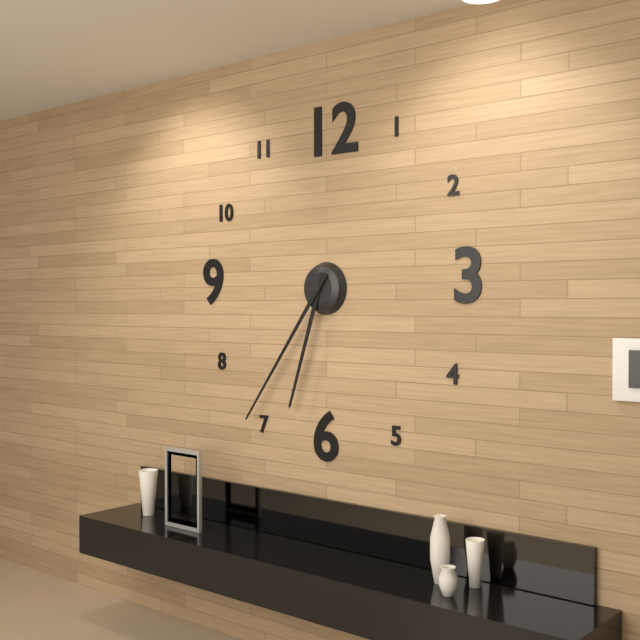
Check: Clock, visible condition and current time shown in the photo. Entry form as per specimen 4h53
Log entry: 6h36
